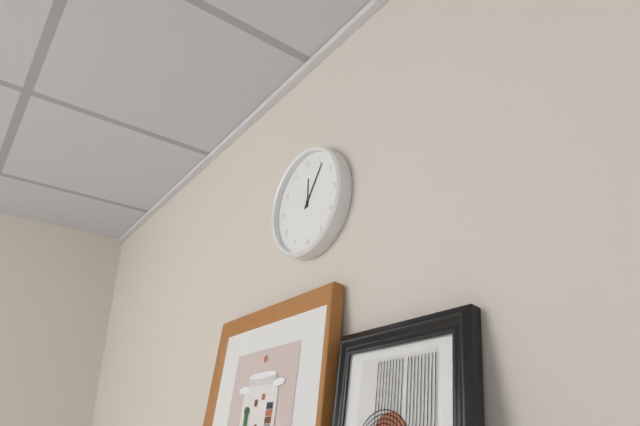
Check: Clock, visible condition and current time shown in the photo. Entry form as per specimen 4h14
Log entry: 12h06
